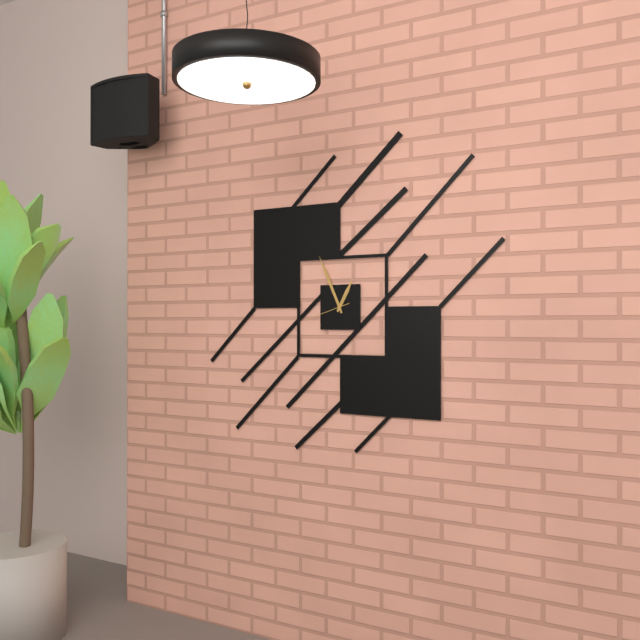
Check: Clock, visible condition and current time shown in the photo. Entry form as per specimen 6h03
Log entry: 12h56
